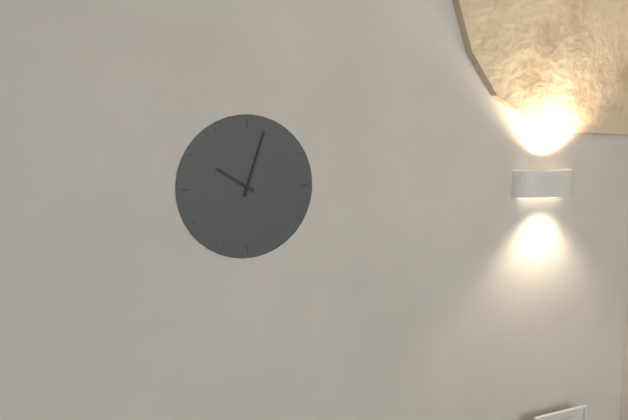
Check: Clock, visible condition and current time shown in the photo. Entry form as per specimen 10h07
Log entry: 10h03
